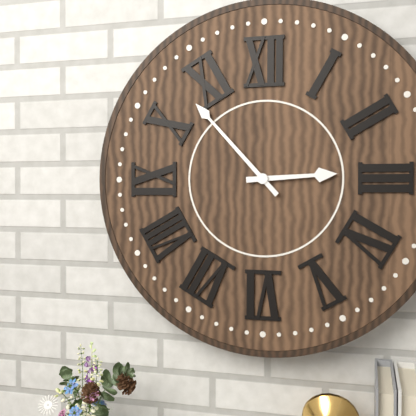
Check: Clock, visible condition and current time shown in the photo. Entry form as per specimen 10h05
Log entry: 2h53
